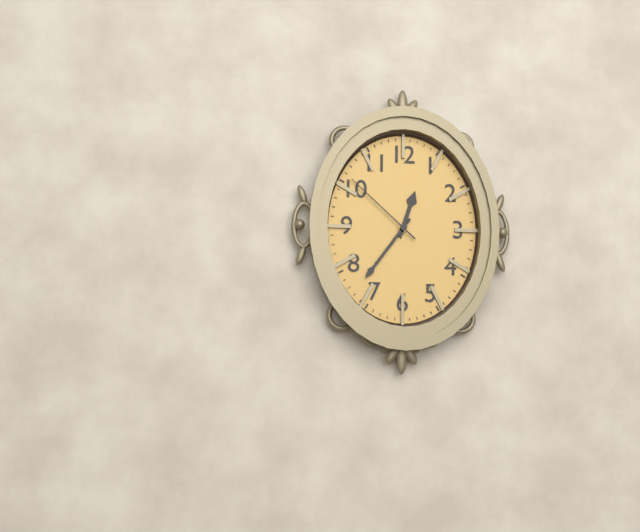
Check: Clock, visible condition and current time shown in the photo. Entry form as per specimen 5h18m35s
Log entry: 12h36m52s
